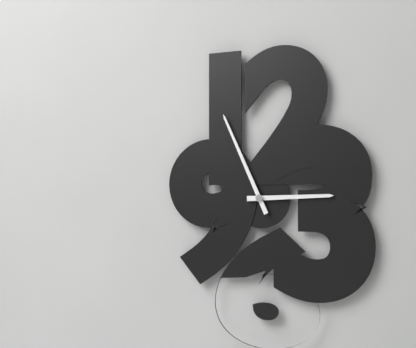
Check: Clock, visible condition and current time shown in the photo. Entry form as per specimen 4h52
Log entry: 2h56
